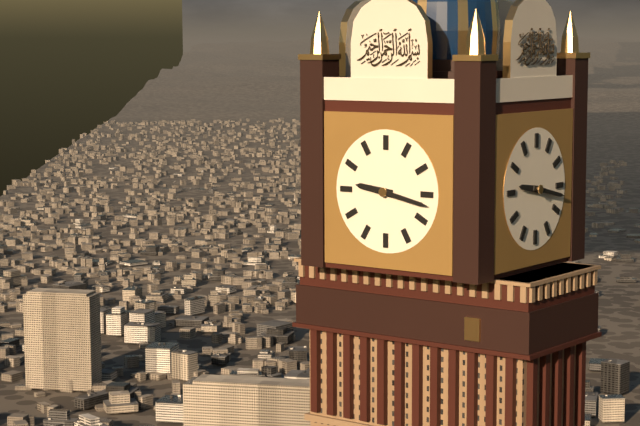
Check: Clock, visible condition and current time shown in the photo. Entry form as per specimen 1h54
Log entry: 9h17
